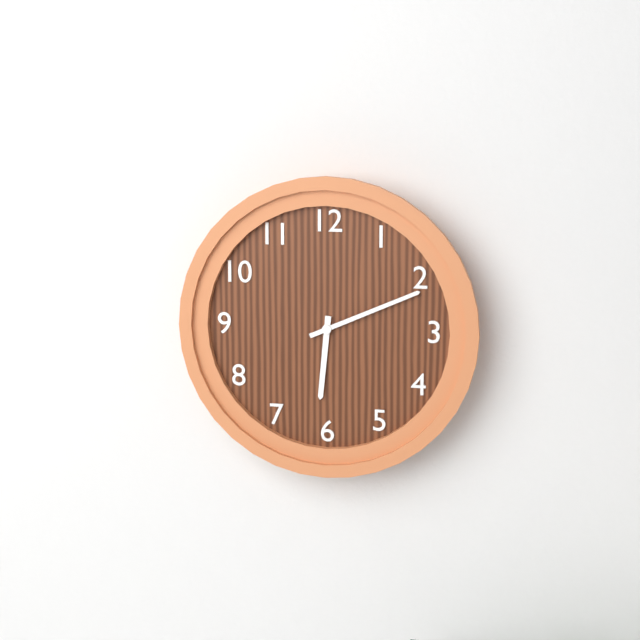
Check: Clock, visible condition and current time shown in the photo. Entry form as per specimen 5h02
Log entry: 6h11
